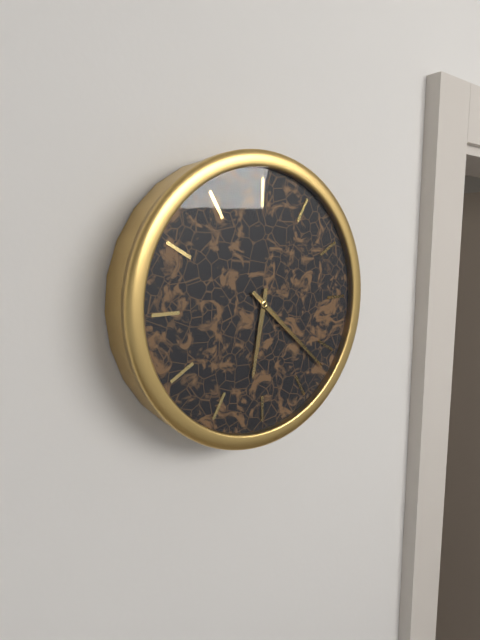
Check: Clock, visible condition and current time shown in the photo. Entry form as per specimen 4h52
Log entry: 6h22
